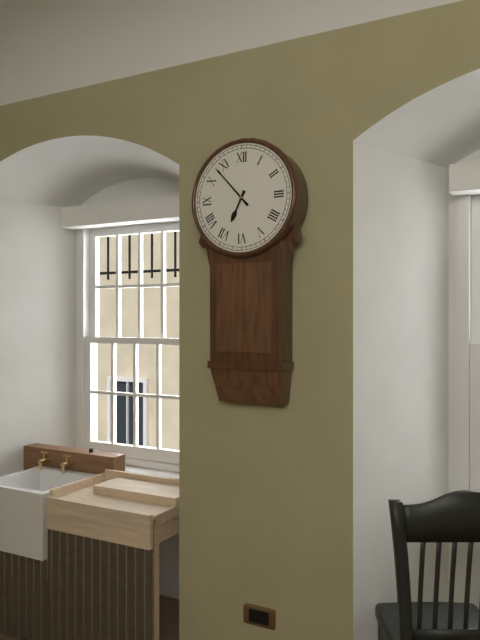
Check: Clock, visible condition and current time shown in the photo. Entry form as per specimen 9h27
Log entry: 6h53
